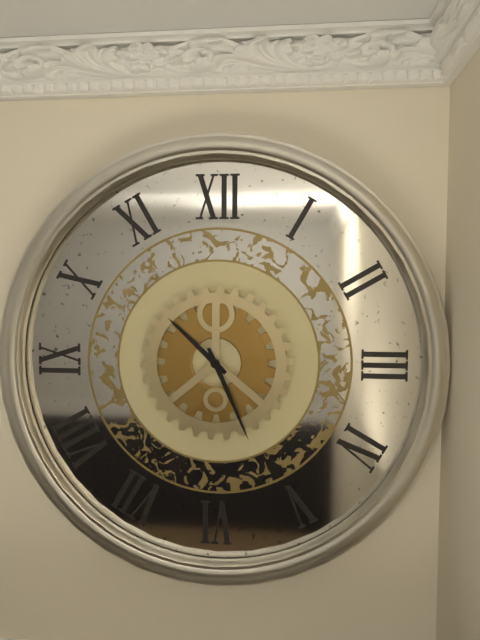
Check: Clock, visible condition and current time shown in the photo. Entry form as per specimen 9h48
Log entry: 10h26
